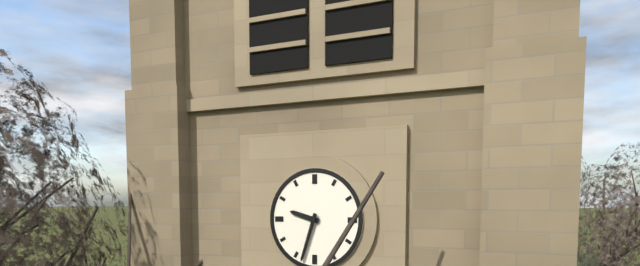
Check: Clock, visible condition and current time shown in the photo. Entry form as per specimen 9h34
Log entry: 9h33
